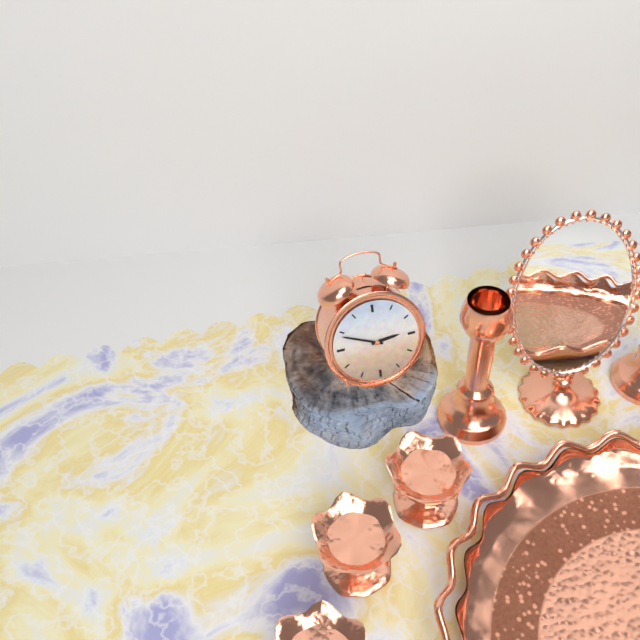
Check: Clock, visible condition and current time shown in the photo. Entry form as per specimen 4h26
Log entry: 2h49
